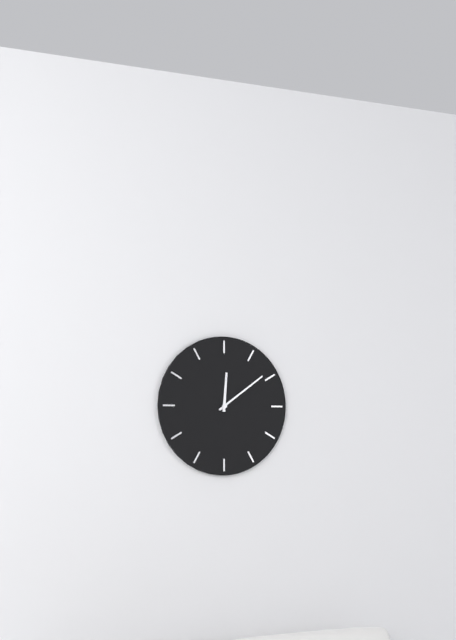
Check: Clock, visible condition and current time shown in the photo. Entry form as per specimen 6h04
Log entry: 12h09
